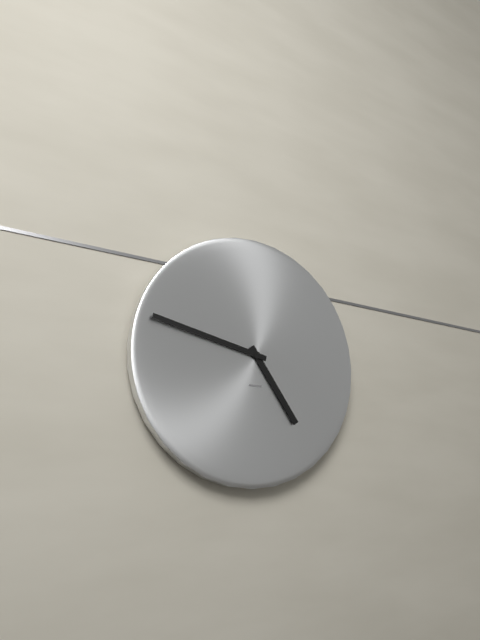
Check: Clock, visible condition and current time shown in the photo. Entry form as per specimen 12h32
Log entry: 4h47
